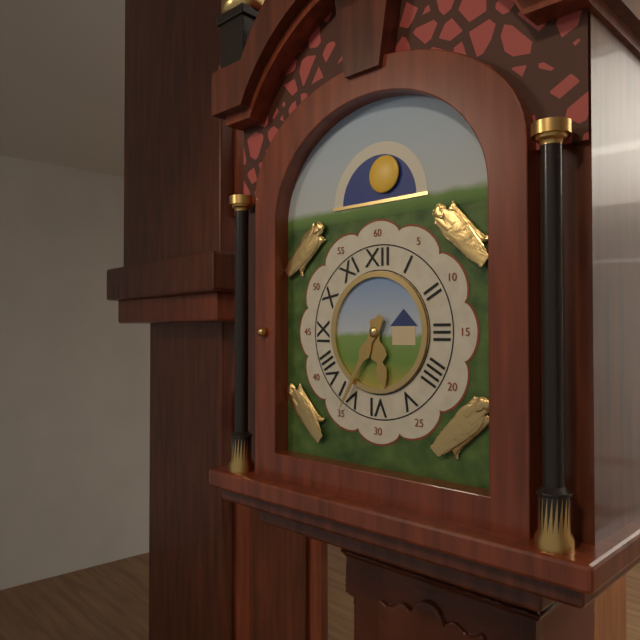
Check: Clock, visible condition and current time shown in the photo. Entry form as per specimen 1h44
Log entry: 5h35
